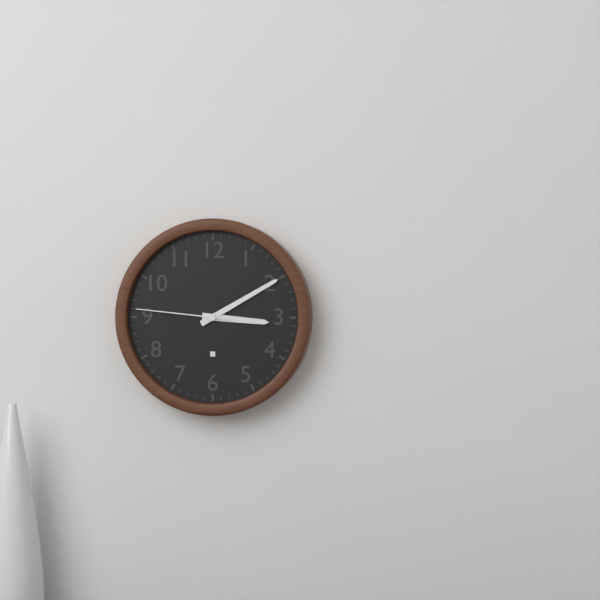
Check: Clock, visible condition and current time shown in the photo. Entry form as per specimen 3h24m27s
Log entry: 3h10m46s
